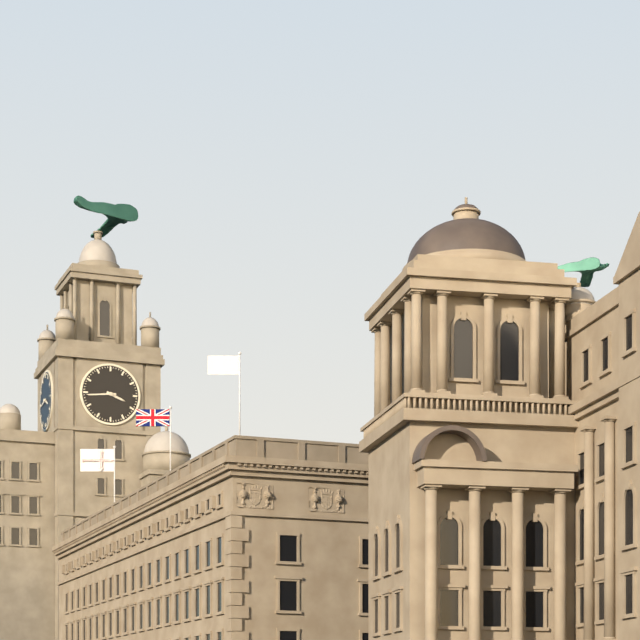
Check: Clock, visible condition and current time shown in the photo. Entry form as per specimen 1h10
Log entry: 3h44
